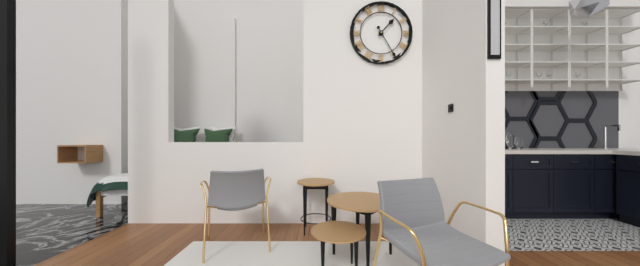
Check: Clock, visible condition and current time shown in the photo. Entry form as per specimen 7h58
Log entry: 1h25
